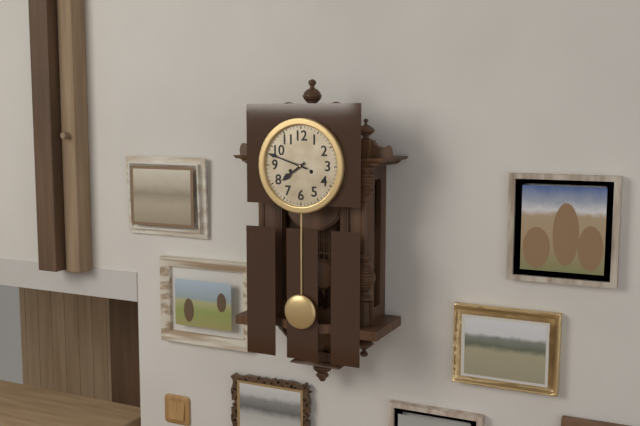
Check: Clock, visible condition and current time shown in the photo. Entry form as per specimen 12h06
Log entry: 7h48
